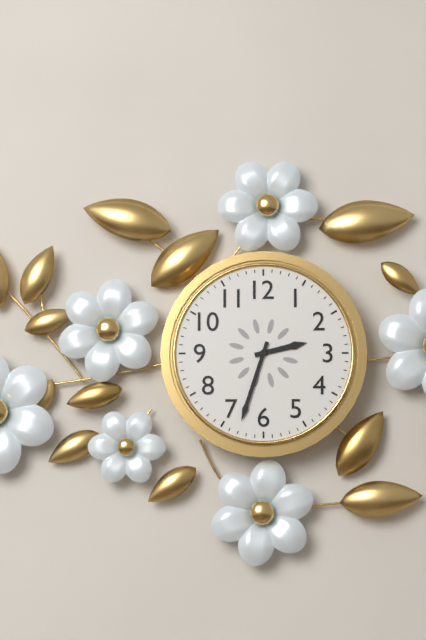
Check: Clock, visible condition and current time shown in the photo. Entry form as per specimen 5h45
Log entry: 2h33
